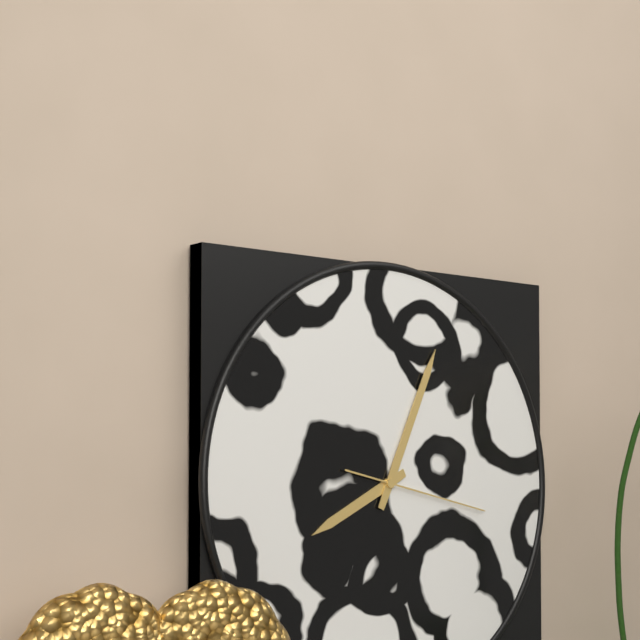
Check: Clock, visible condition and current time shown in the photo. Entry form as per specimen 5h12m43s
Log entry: 8h04m17s
